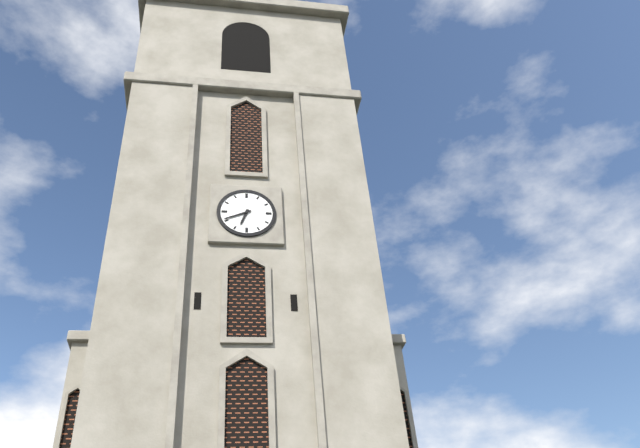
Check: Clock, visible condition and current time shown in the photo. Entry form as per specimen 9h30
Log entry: 6h41
